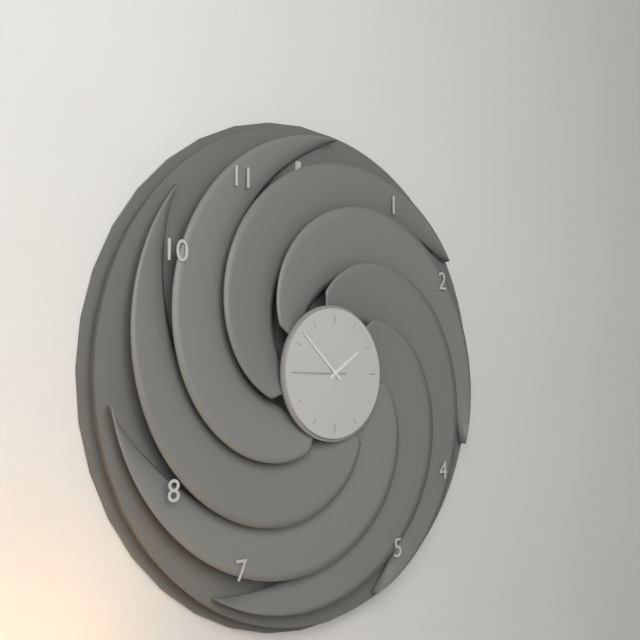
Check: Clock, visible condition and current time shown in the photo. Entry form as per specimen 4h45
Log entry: 1h52
